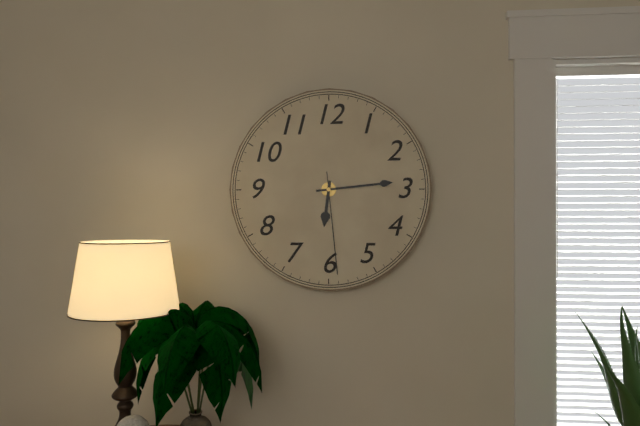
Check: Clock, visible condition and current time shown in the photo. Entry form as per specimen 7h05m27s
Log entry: 6h14m29s
